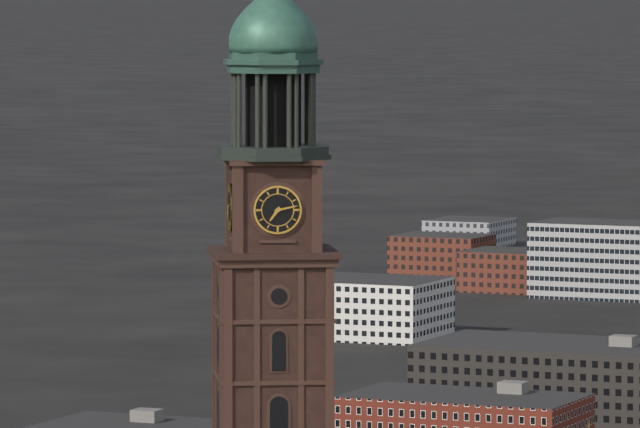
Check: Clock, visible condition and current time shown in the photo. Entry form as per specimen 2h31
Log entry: 7h13
